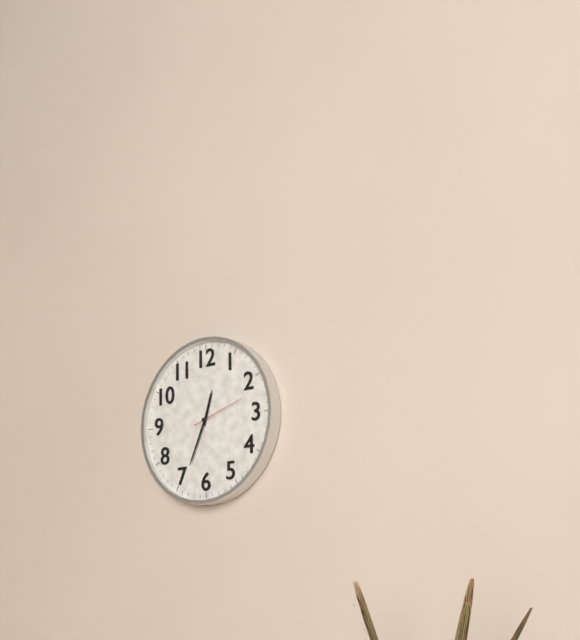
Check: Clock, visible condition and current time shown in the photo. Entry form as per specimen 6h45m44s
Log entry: 12h34m12s
